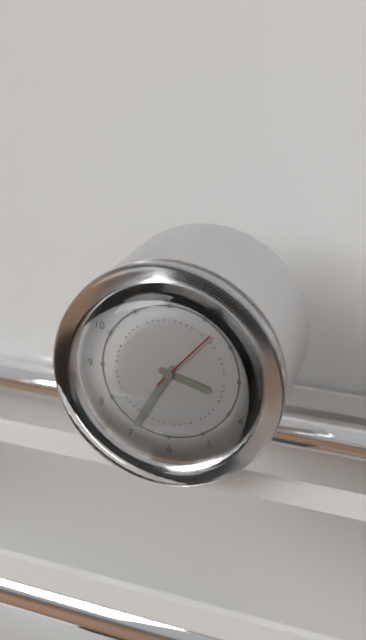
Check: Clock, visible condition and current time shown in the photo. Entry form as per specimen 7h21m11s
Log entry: 3h35m07s
